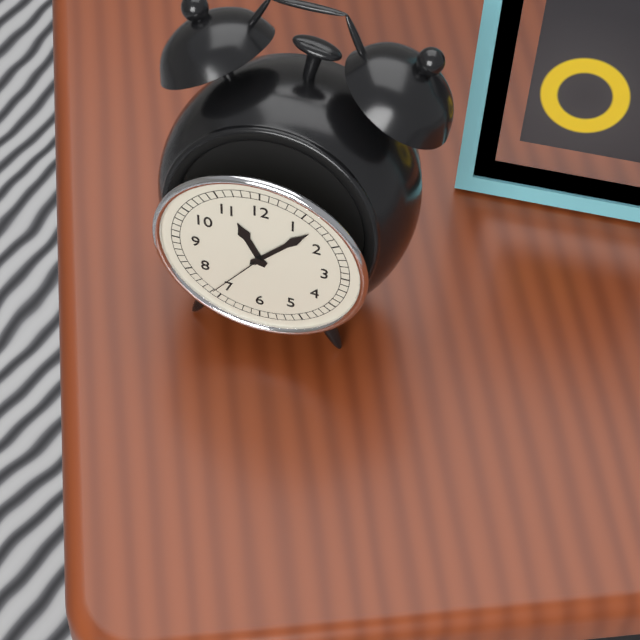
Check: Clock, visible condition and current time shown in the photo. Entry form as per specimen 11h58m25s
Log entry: 11h07m36s
